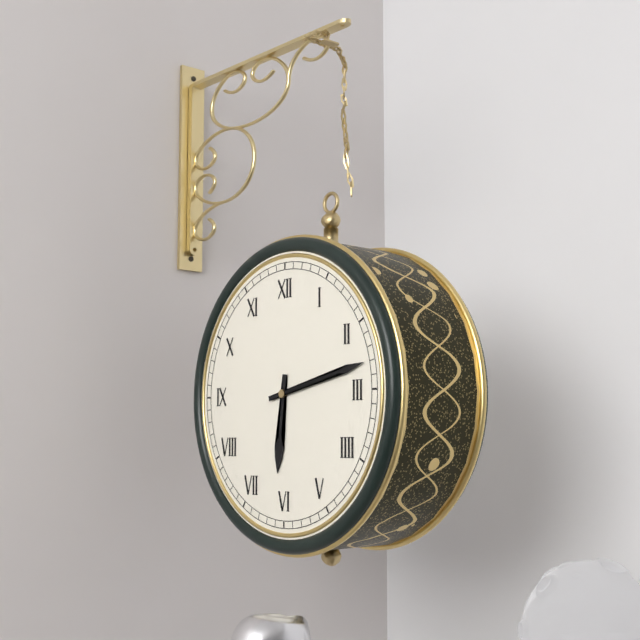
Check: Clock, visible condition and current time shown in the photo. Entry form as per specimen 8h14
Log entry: 6h13
